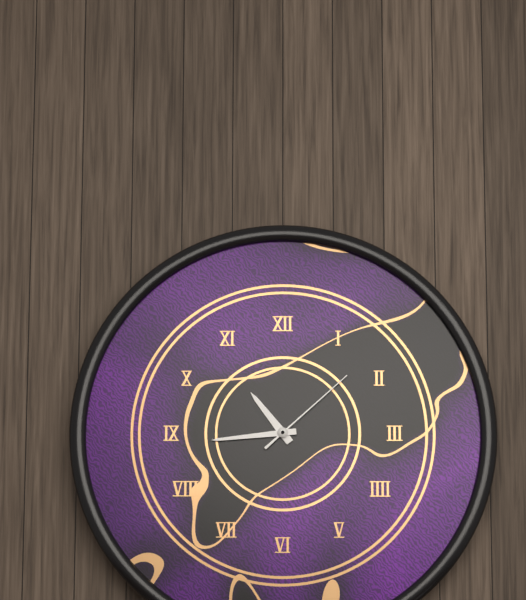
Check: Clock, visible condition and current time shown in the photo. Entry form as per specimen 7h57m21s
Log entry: 10h44m08s
